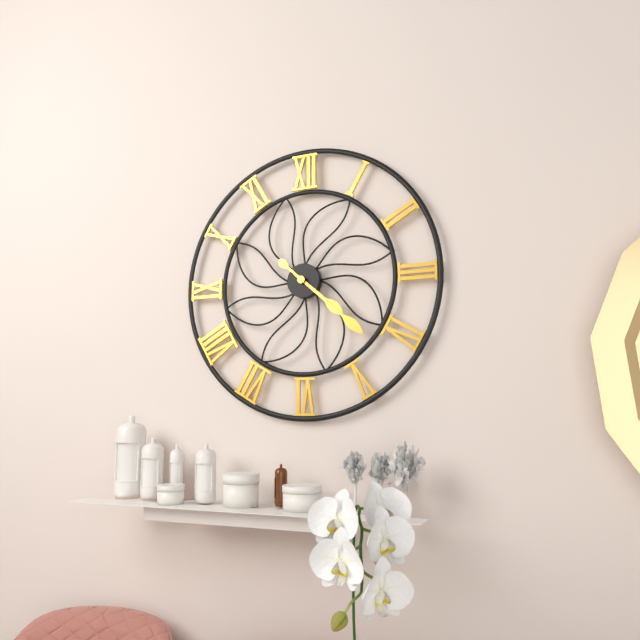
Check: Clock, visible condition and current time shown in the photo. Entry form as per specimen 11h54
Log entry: 4h22
